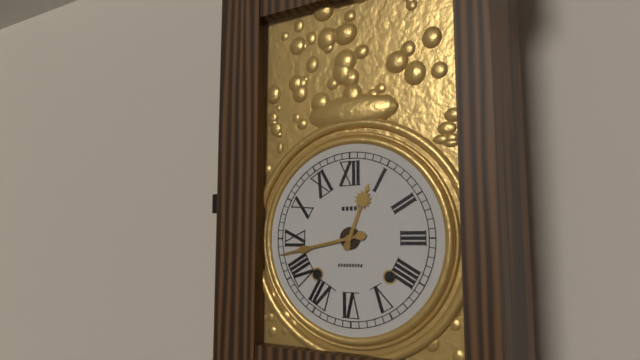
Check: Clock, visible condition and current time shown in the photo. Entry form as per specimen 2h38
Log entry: 12h43
